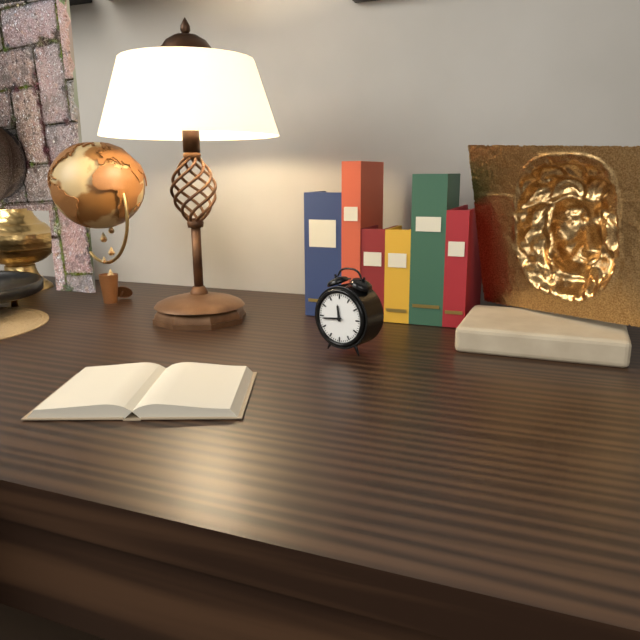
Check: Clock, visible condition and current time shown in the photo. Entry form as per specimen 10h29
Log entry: 11h44
